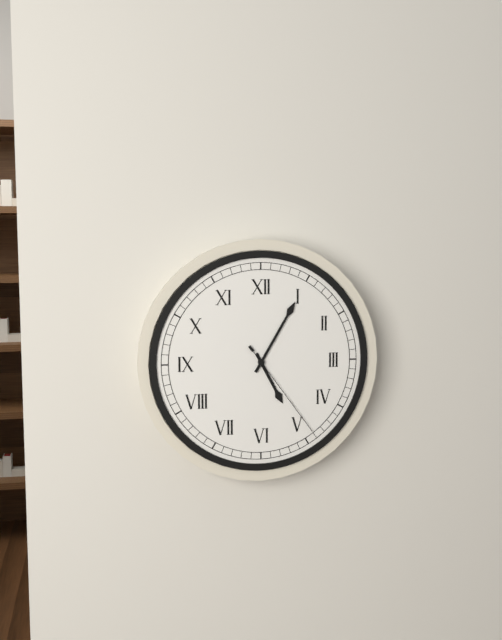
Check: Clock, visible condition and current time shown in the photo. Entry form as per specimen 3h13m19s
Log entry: 5h05m24s
